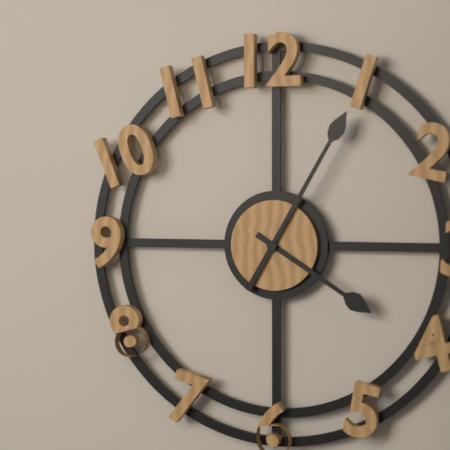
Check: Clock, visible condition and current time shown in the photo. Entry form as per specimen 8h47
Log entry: 4h05
